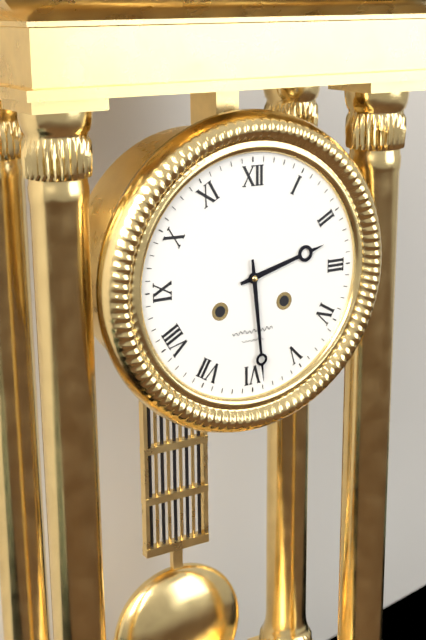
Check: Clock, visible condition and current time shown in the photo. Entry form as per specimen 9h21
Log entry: 2h29
